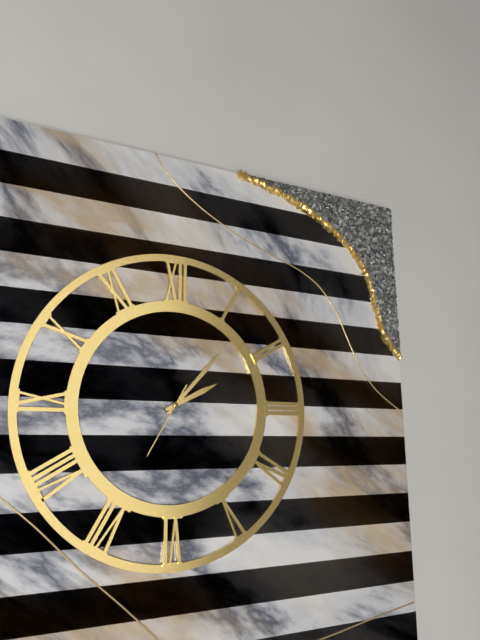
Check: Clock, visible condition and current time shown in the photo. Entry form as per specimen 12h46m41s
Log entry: 2h07m35s
